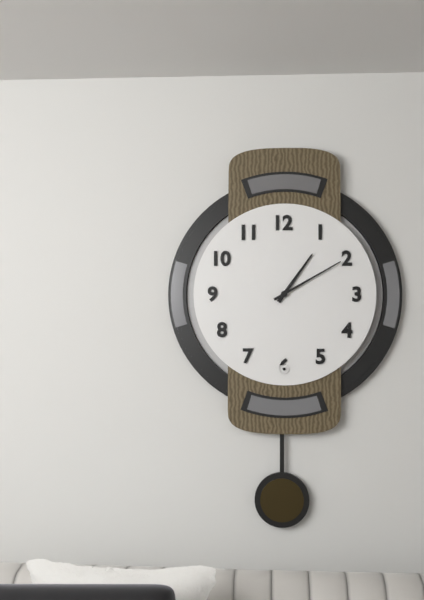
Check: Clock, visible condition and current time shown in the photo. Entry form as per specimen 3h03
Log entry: 1h10
